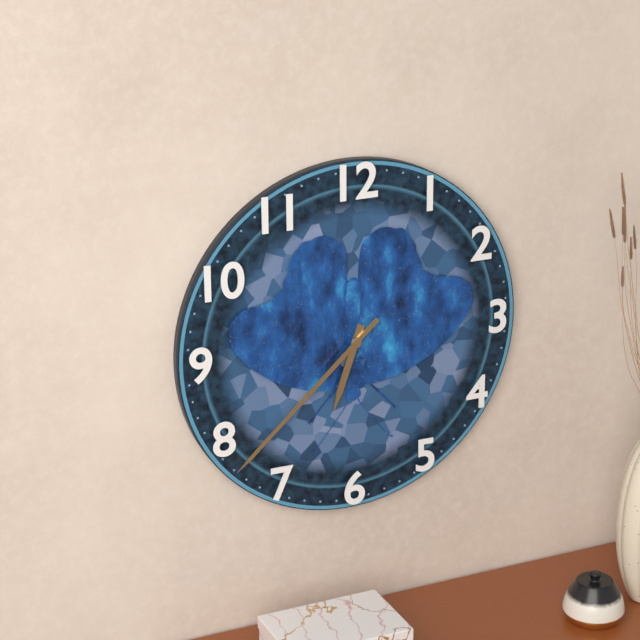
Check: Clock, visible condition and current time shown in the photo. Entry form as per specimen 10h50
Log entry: 6h38
